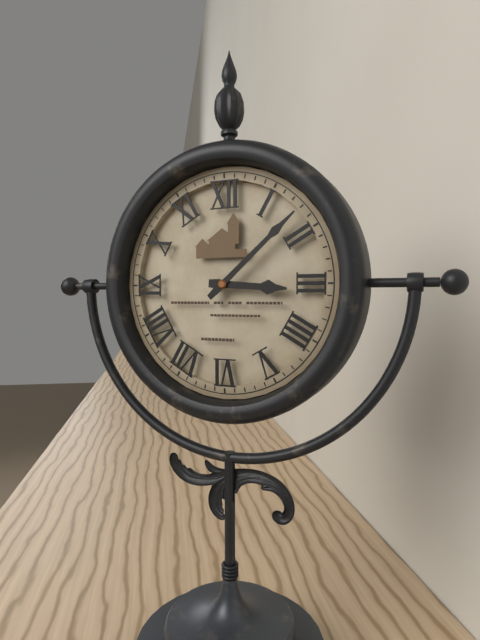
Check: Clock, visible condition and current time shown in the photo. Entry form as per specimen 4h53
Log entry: 3h08
